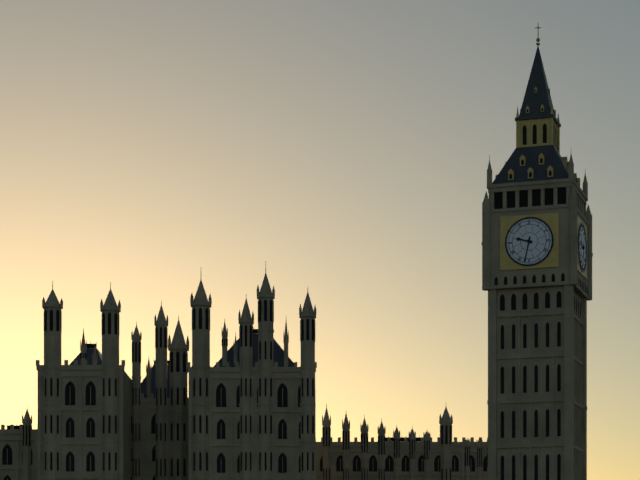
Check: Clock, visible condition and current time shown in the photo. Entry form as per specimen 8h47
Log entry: 9h32
